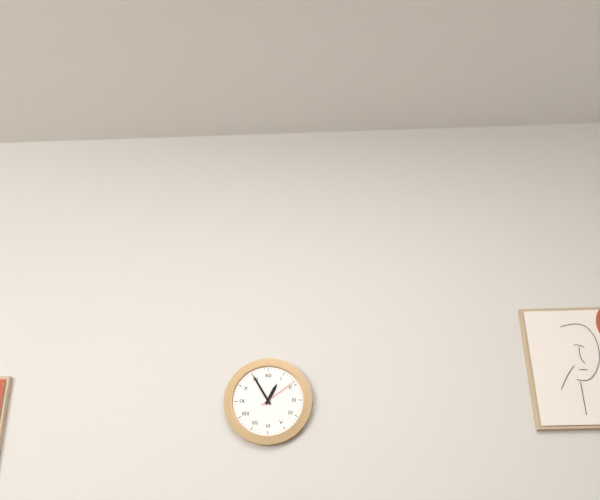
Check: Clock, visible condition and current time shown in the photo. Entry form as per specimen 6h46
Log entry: 12h55
